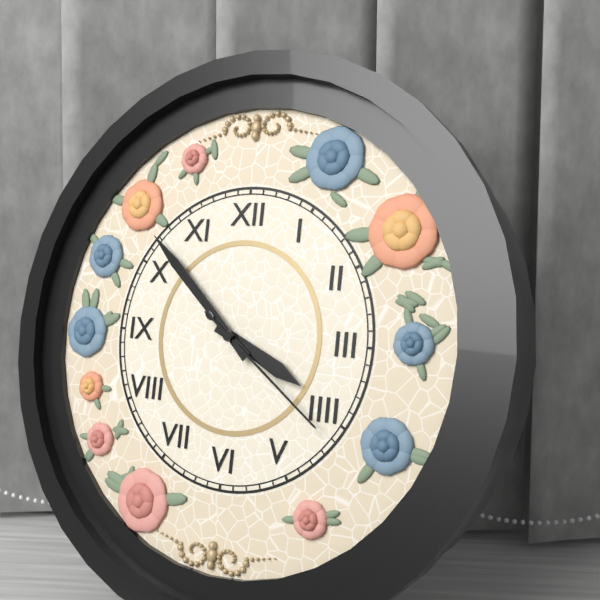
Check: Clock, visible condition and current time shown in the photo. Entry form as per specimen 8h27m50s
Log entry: 3h52m21s
